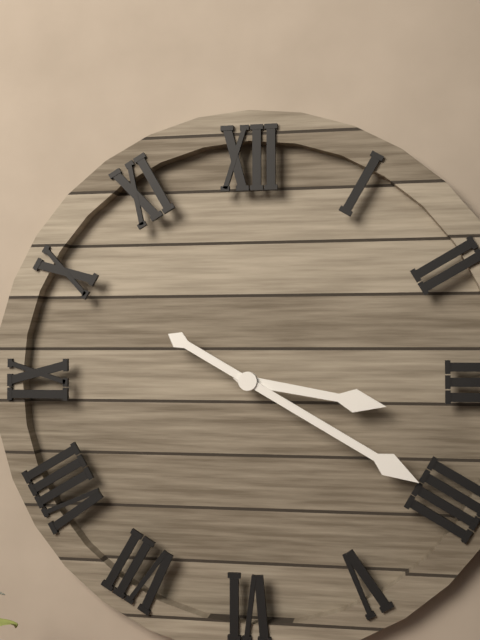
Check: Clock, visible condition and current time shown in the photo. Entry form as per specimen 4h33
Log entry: 3h20
